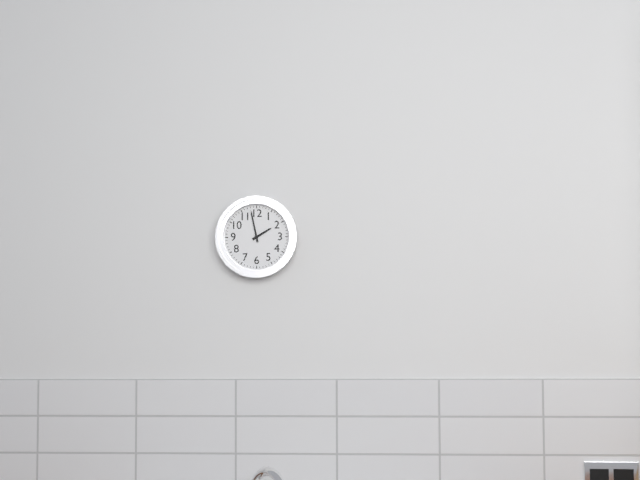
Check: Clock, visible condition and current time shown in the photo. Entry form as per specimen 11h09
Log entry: 1h58
